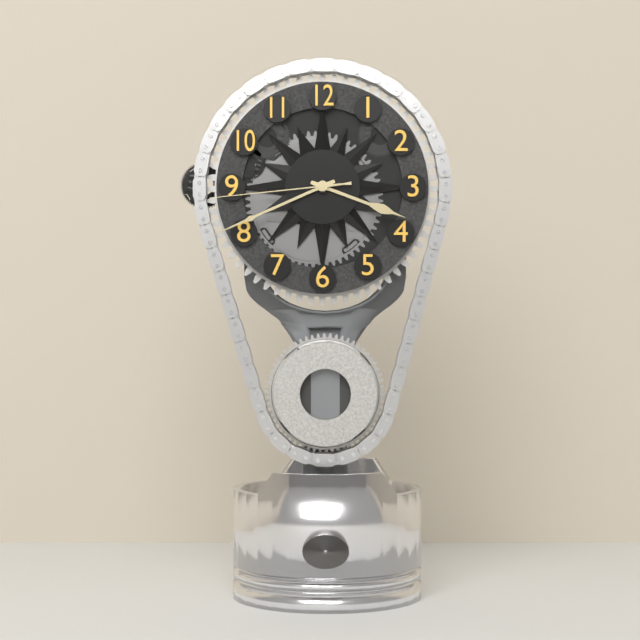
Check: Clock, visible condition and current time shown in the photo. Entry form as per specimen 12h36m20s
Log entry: 3h41m44s
